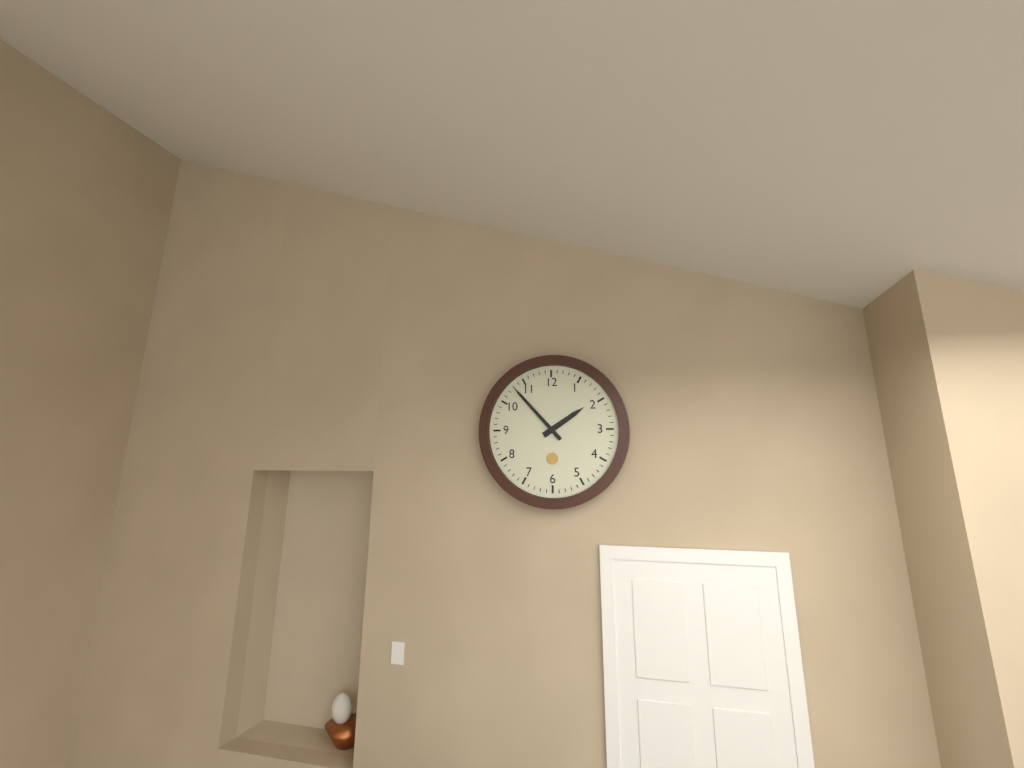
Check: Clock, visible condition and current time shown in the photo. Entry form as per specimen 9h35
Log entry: 1h53
